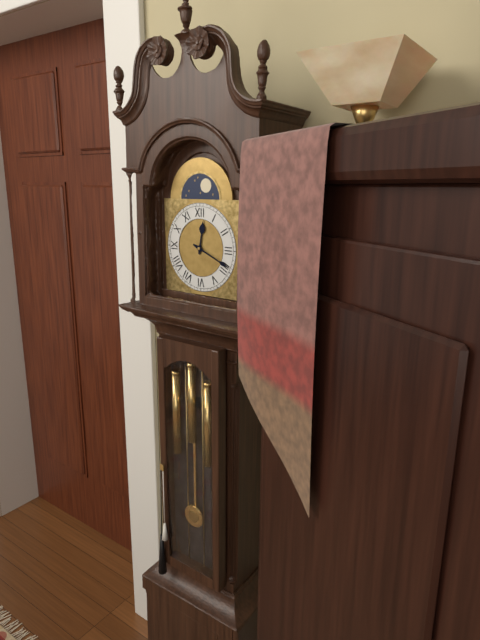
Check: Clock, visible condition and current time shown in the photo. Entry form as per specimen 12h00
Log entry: 12h19
